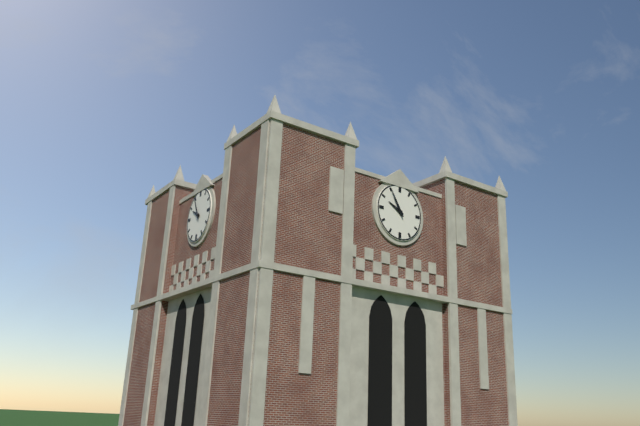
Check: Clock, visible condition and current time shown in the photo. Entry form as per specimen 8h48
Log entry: 9h55
